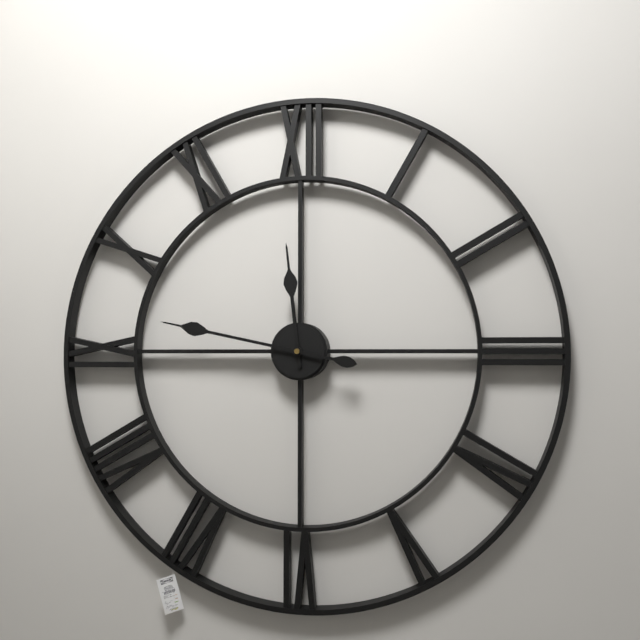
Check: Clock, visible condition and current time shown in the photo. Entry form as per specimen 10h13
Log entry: 11h47
